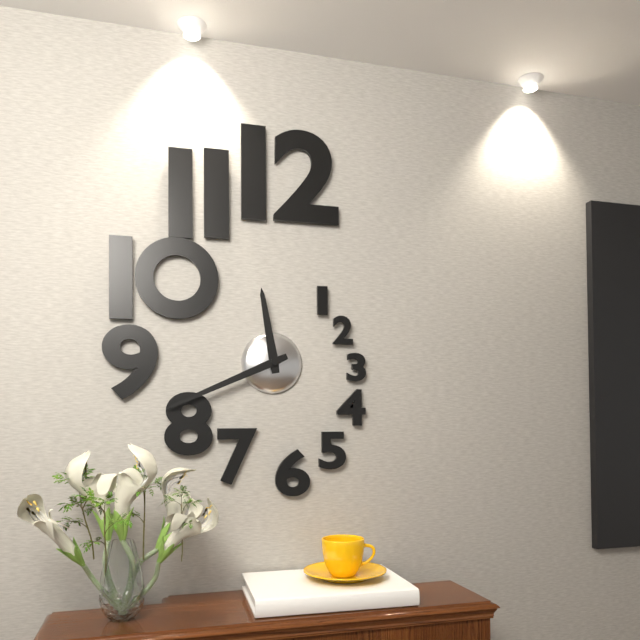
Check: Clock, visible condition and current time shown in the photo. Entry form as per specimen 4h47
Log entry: 11h41
